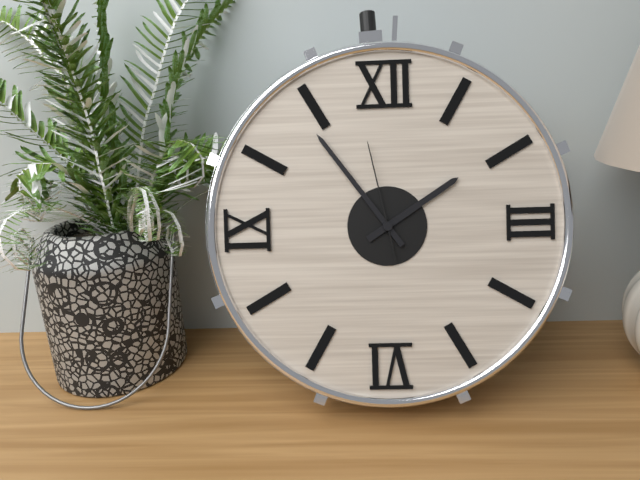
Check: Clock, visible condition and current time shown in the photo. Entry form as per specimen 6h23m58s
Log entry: 1h54m58s
